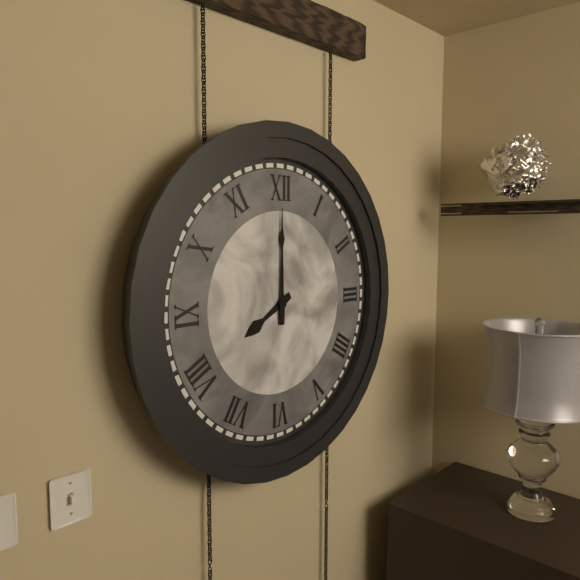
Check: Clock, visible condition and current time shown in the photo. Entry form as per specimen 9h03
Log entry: 8h00
